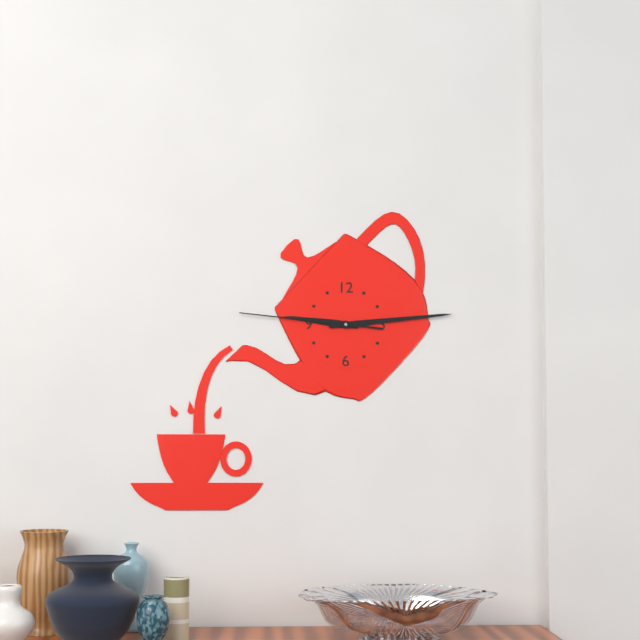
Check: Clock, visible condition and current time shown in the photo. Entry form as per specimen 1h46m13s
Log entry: 9h14m46s
